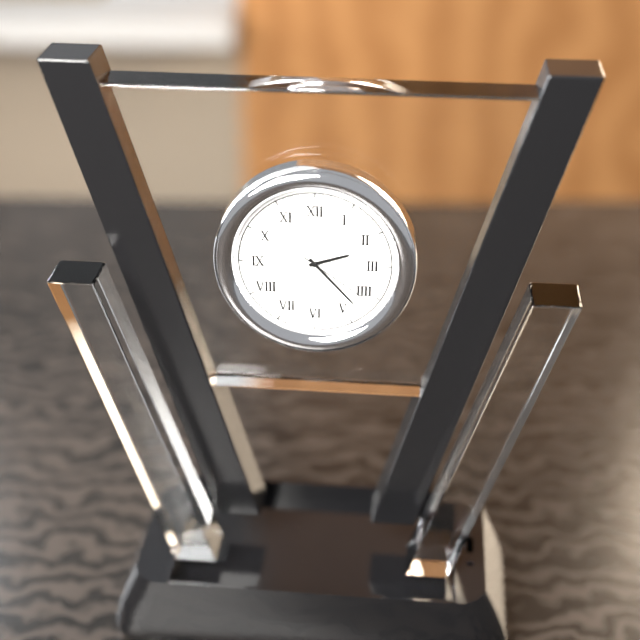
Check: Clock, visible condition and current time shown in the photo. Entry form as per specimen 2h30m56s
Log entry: 2h23m21s
